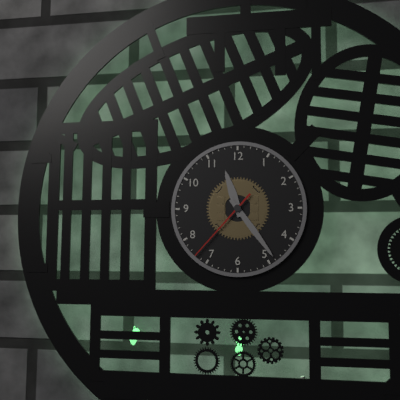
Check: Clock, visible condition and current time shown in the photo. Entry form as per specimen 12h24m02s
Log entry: 11h24m37s
